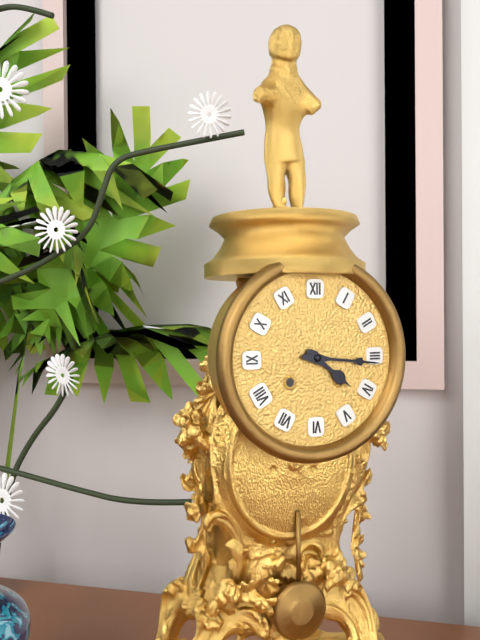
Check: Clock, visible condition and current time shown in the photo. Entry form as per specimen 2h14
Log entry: 4h16
